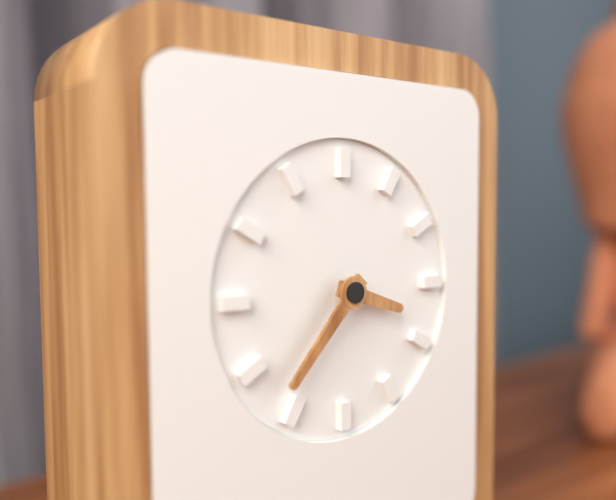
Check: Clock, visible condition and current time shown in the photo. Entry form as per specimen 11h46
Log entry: 3h37
